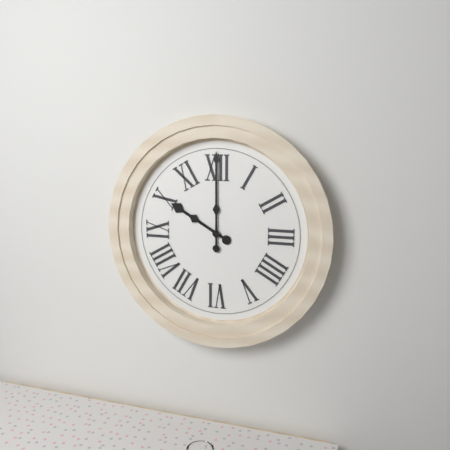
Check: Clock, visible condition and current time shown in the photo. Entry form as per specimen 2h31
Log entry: 10h00
